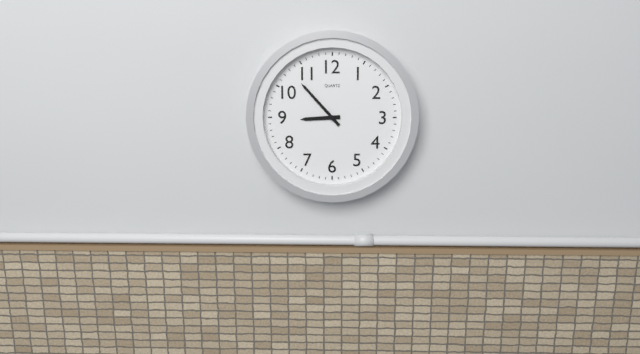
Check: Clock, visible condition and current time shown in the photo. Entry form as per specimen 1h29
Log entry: 8h53
